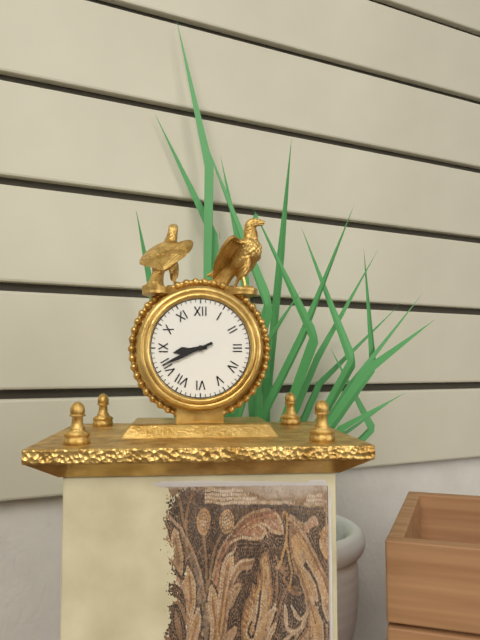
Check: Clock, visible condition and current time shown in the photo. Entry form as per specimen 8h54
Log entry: 8h41
